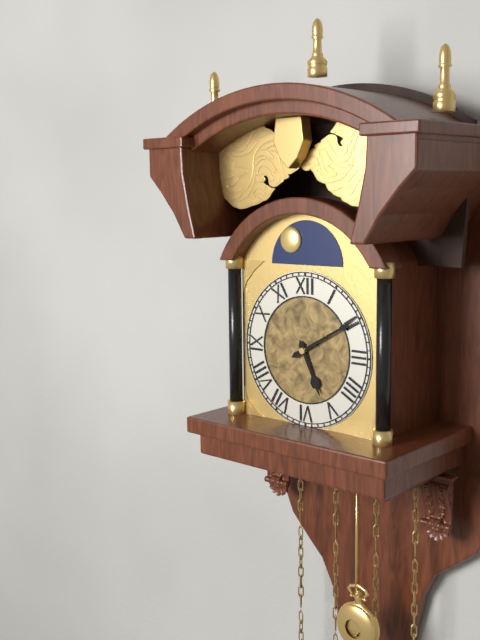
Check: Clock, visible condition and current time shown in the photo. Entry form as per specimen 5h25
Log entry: 5h10
